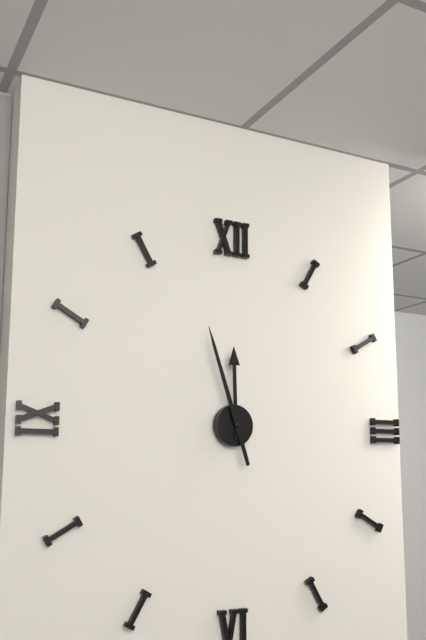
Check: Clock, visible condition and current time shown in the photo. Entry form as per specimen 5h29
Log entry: 11h57
